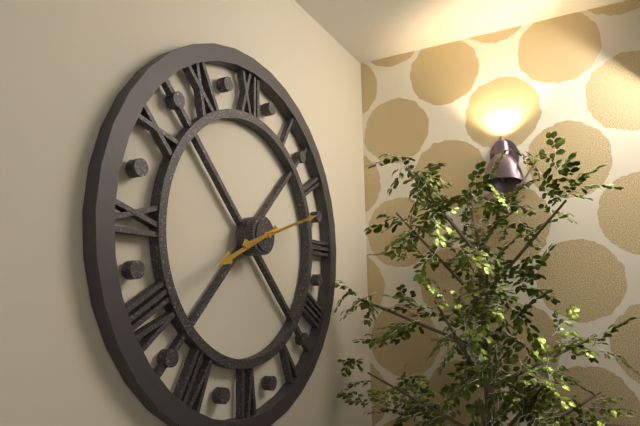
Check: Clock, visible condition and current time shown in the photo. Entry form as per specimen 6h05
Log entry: 8h12
